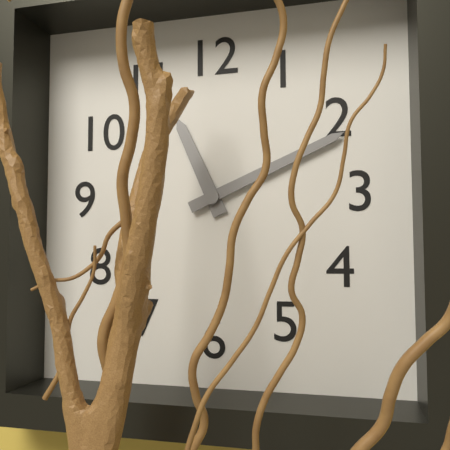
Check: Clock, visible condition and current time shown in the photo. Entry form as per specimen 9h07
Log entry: 11h11
